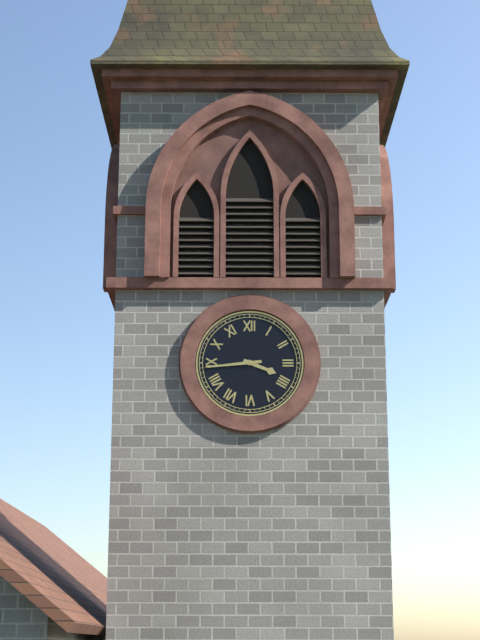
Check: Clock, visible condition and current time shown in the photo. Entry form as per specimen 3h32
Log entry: 3h44
